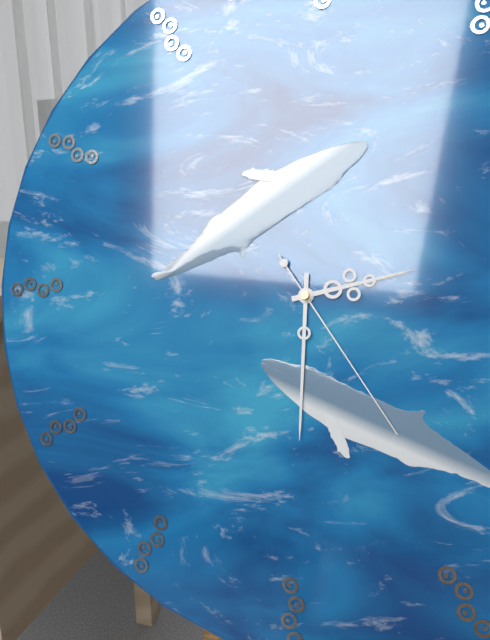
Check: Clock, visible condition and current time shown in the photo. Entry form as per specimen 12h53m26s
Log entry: 2h30m24s
